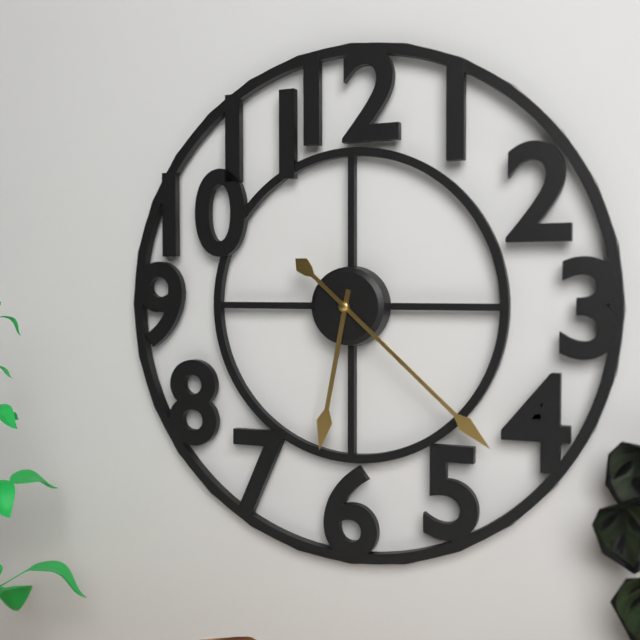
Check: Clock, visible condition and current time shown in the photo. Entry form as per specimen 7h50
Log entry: 6h22
